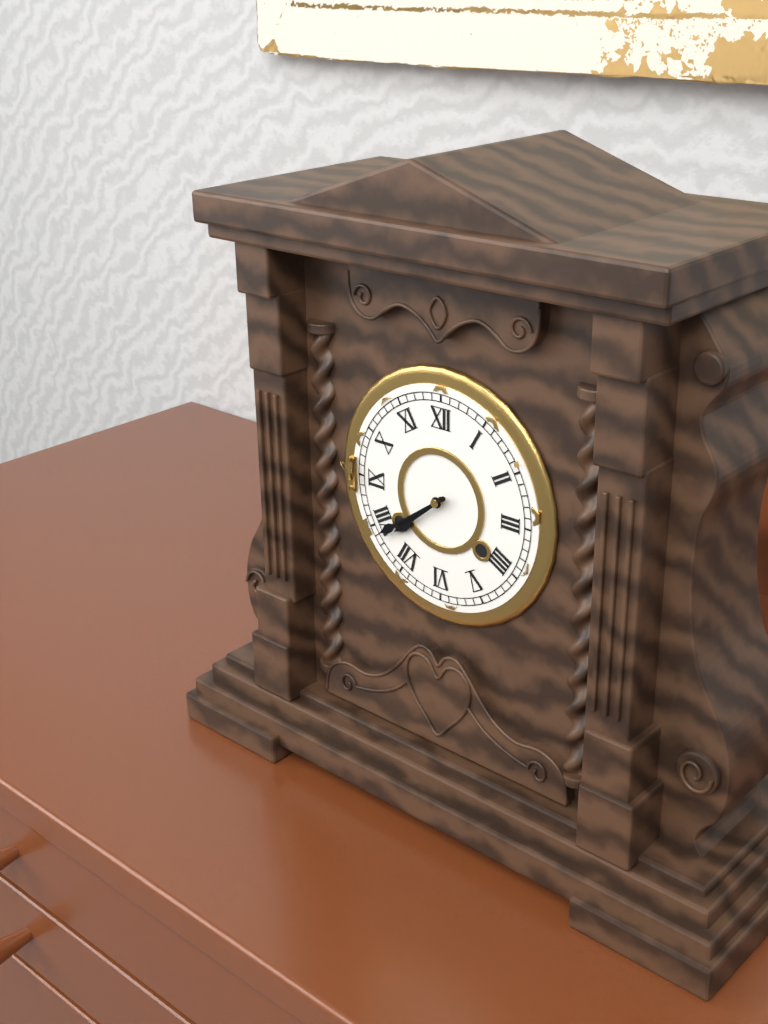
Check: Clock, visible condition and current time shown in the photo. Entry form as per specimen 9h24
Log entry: 7h39
